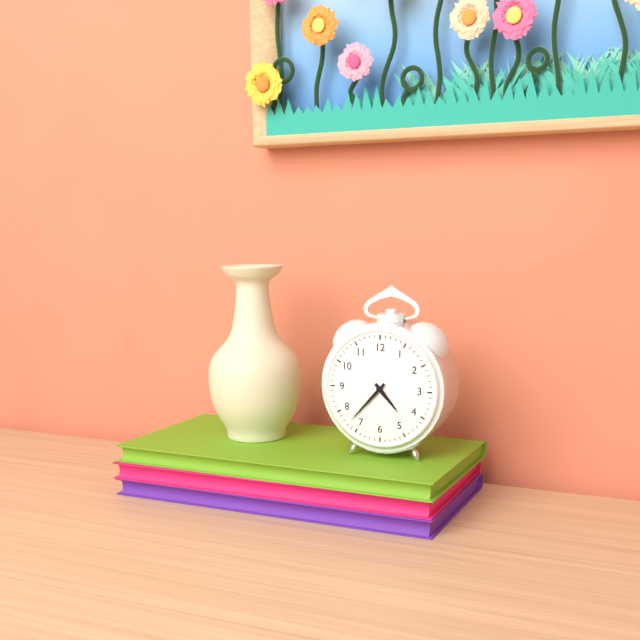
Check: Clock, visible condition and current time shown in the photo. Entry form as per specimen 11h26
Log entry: 4h37
